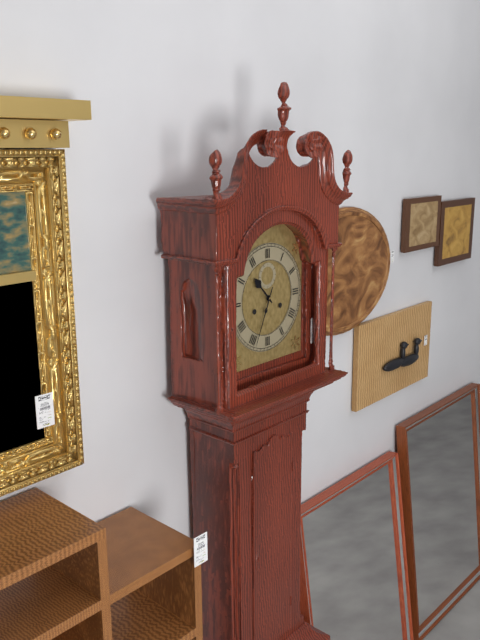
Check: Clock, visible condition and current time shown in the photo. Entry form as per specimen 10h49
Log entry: 10h34
